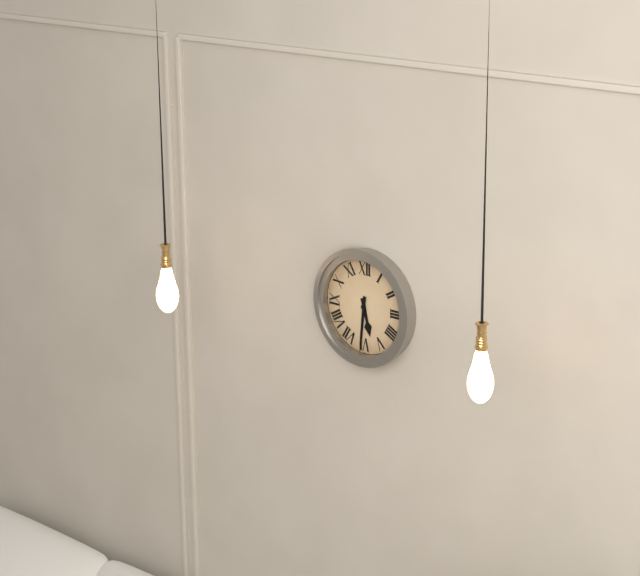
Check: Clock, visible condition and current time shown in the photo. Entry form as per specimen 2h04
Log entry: 5h31
